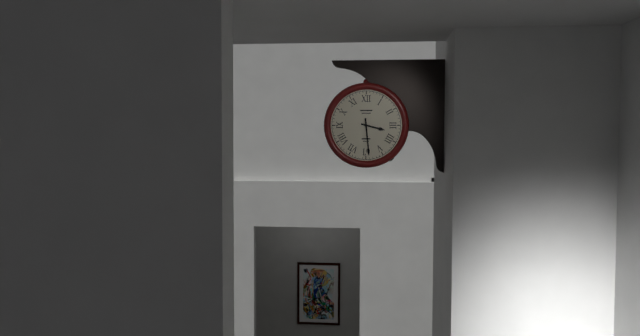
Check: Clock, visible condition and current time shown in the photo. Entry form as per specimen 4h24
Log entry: 3h29
